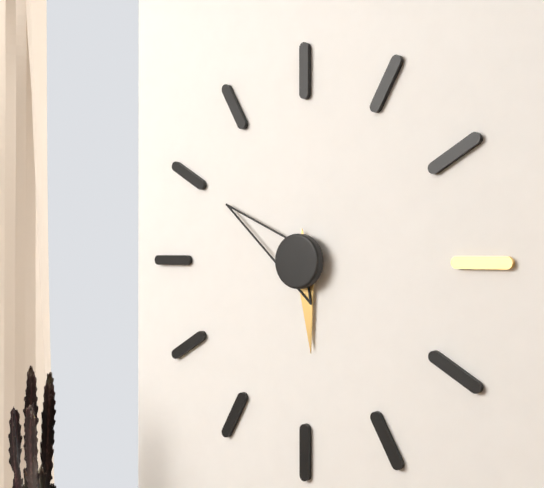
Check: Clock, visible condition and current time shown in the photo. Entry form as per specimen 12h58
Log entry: 5h50
